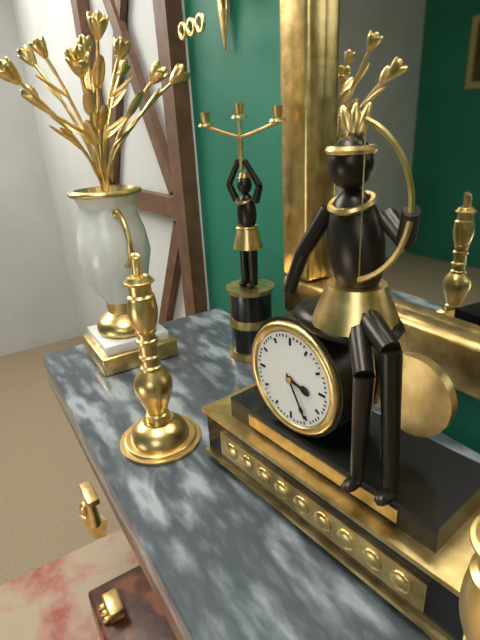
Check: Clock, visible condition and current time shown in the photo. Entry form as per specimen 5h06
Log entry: 3h25
